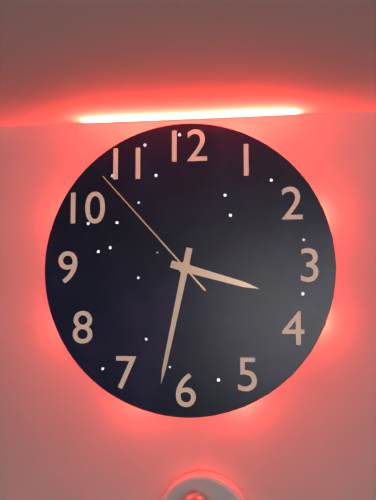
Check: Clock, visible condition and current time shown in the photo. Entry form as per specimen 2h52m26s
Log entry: 3h32m53s
